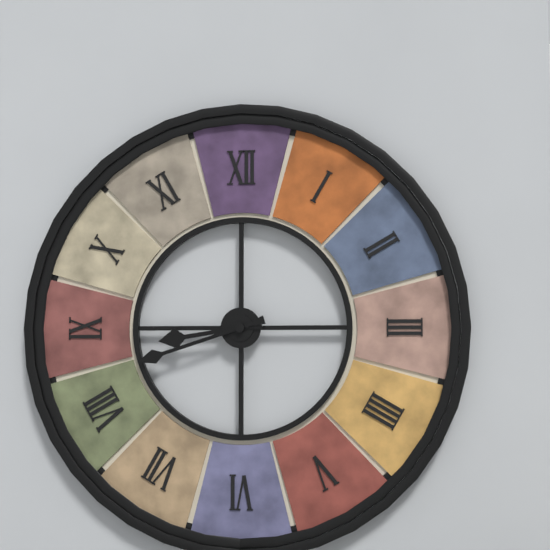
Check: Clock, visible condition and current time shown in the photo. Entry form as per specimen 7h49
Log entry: 8h42
